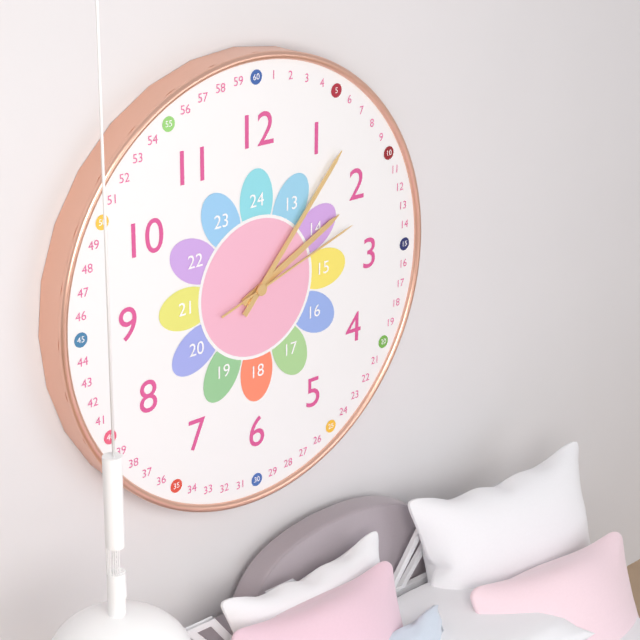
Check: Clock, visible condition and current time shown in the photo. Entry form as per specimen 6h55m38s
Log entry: 2h07m12s
